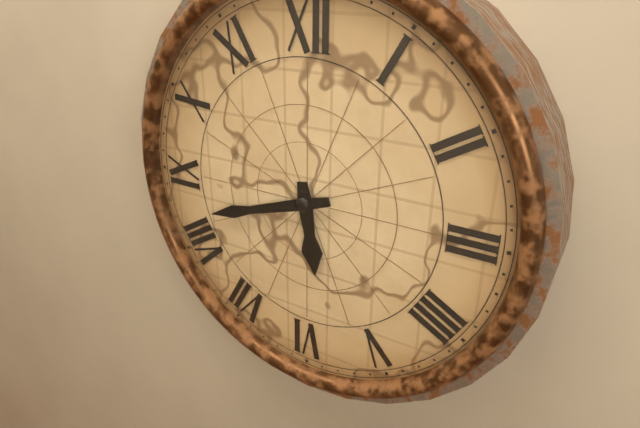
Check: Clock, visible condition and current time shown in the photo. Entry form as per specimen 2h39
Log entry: 5h42
